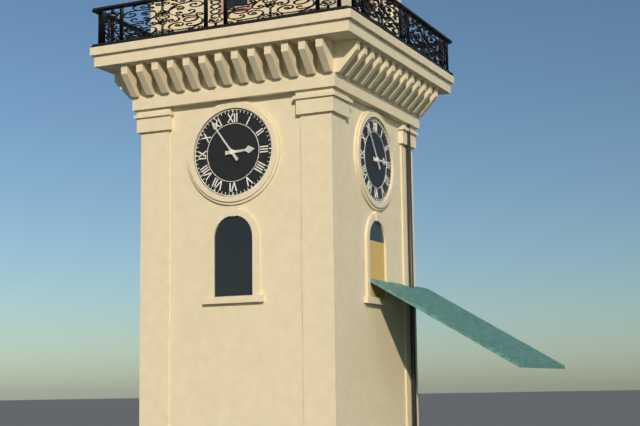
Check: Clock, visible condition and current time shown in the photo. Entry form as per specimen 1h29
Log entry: 2h54
